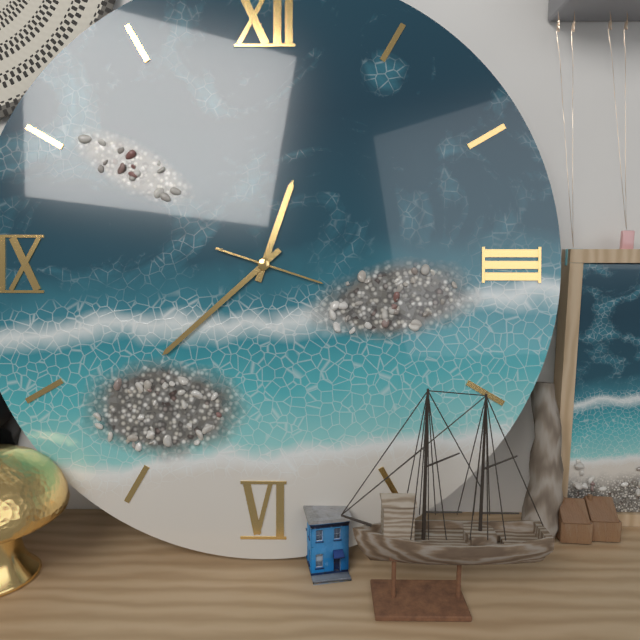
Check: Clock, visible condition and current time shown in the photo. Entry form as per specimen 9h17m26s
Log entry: 12h38m18s
